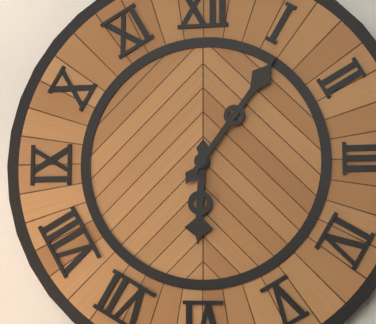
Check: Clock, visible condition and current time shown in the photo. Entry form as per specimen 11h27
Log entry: 6h06
